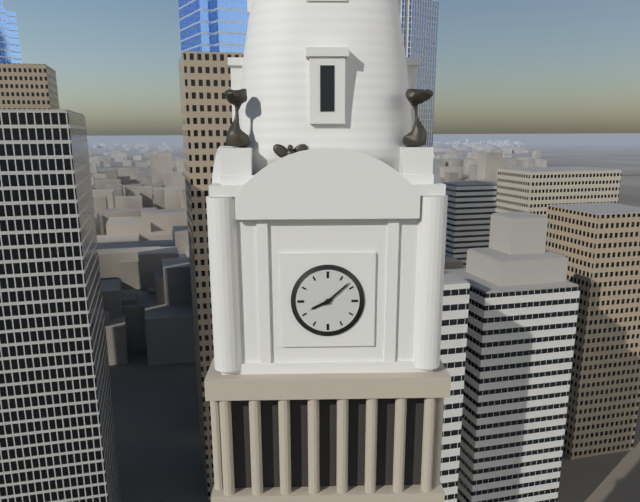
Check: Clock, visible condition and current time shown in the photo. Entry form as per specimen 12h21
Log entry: 8h08
